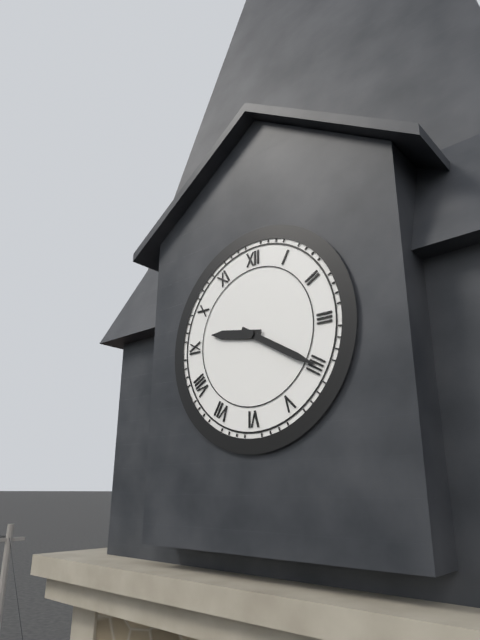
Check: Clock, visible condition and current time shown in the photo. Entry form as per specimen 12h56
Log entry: 9h20
